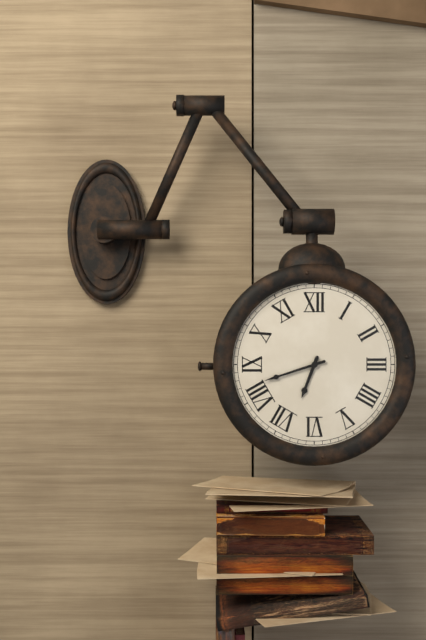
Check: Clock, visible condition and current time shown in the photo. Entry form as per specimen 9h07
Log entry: 6h42
